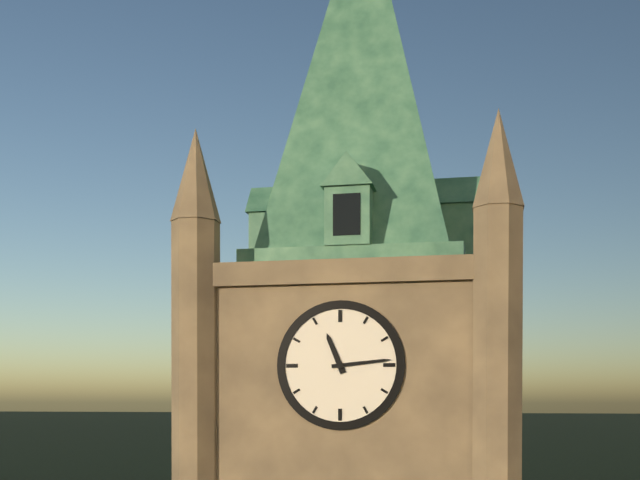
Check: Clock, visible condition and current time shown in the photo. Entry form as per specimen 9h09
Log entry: 11h14
